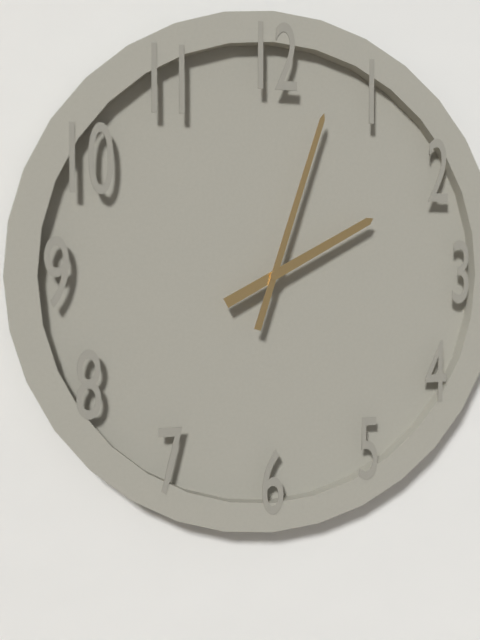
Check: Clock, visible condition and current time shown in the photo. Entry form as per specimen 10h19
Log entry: 2h03
